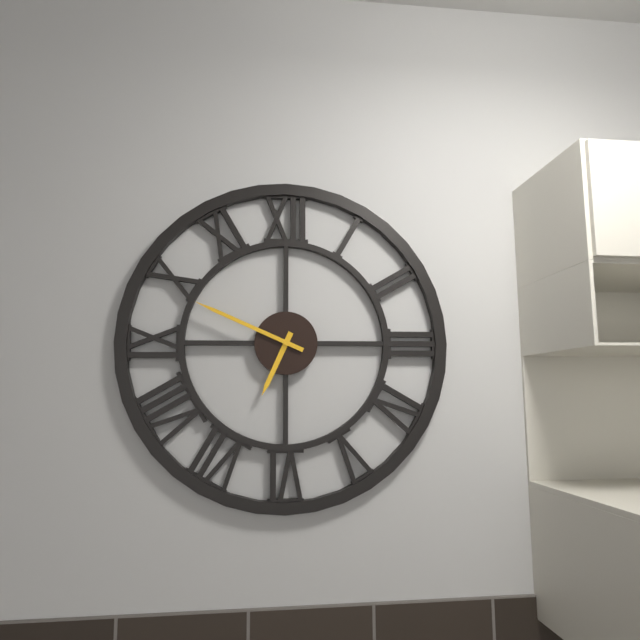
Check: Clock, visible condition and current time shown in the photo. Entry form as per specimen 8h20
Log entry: 6h49
